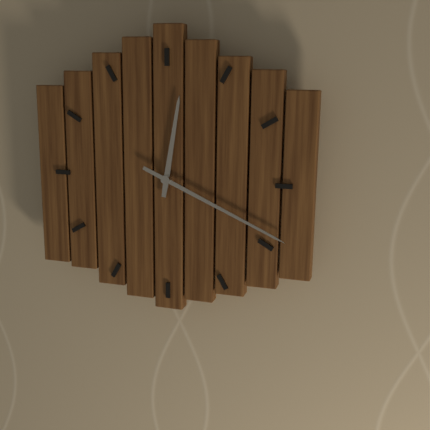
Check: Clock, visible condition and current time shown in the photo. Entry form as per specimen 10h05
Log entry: 12h19
